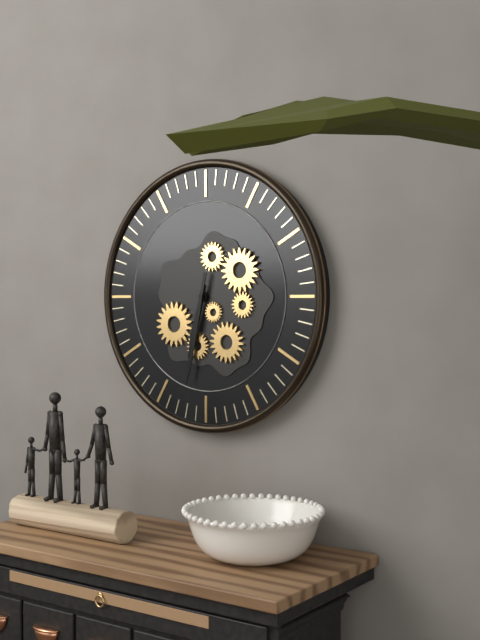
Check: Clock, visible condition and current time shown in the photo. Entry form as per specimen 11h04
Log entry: 6h32
